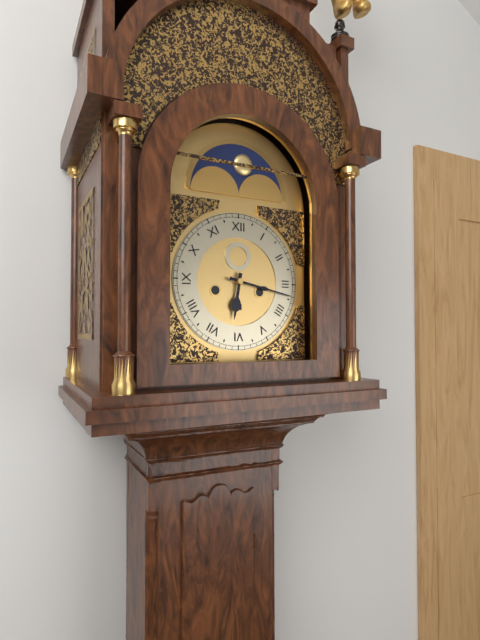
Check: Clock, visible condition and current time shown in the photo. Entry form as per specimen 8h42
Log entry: 6h17
